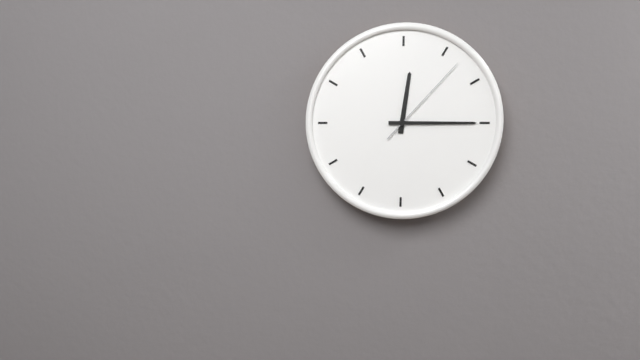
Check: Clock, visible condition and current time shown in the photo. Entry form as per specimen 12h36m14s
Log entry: 12h15m07s
